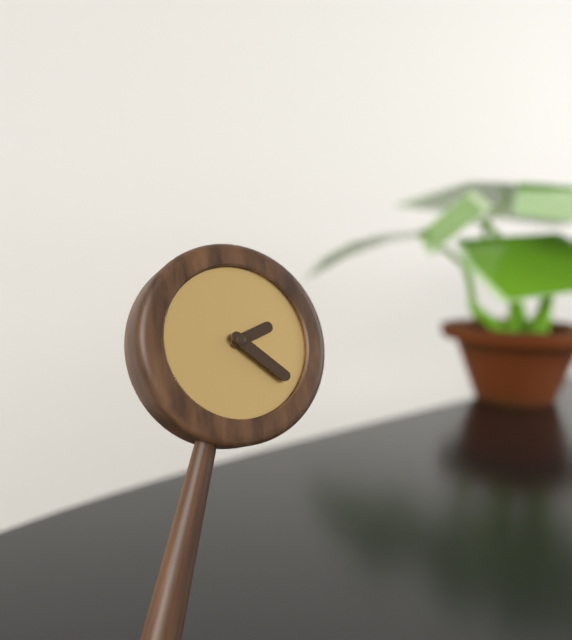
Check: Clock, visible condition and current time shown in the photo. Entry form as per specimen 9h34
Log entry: 2h22
